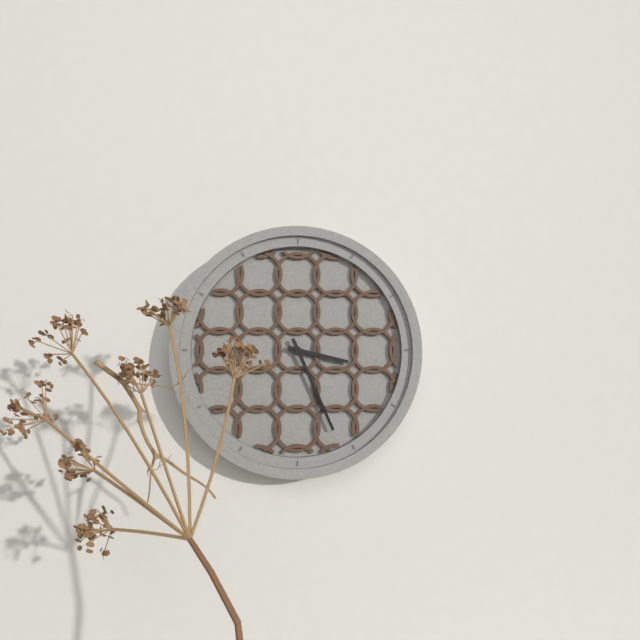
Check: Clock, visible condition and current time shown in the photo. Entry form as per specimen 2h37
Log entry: 3h26
